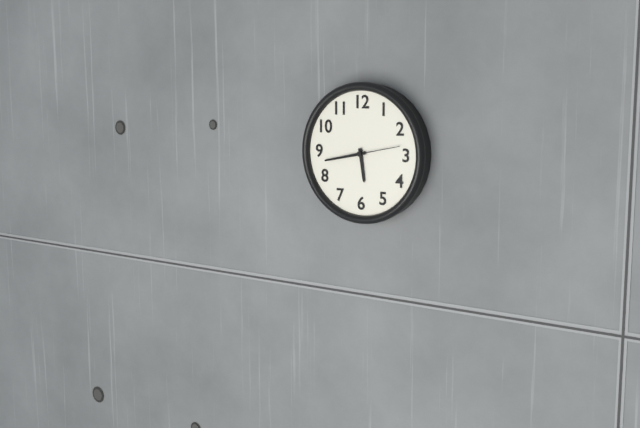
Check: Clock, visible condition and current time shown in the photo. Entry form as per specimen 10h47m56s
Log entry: 5h43m13s
